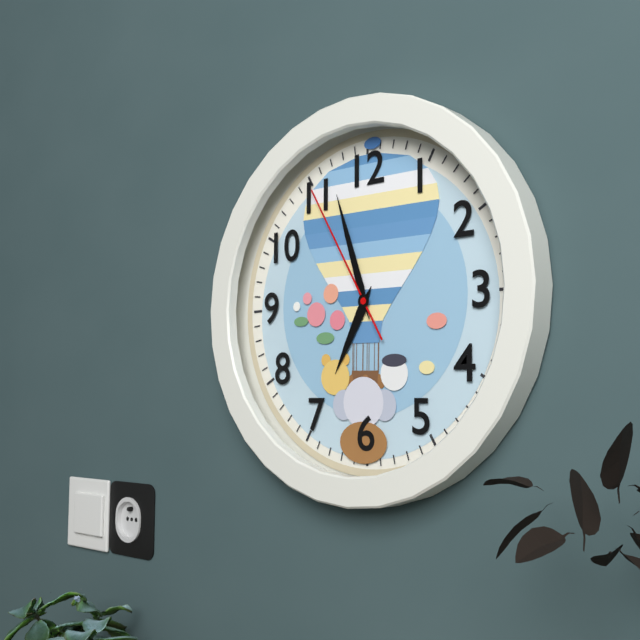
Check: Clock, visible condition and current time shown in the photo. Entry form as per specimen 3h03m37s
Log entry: 6h57m55s
